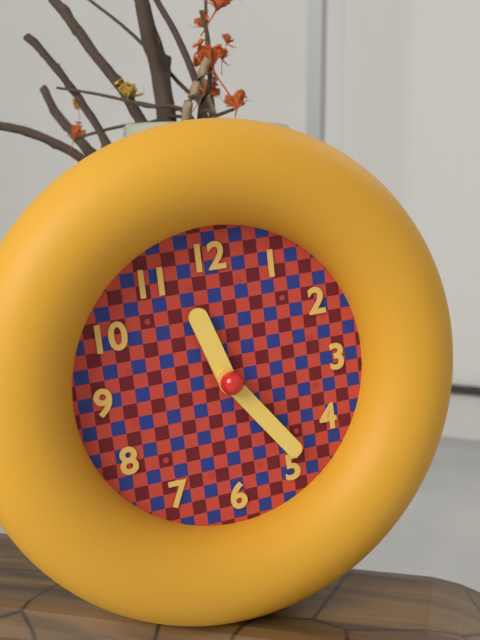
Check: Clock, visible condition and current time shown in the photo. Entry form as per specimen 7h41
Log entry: 11h24
